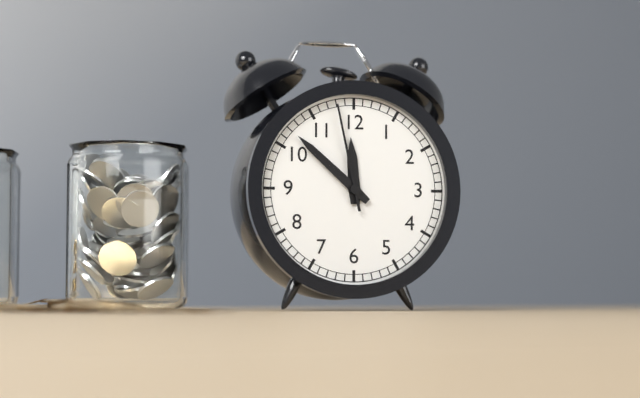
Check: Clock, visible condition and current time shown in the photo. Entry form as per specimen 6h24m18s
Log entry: 11h52m58s
